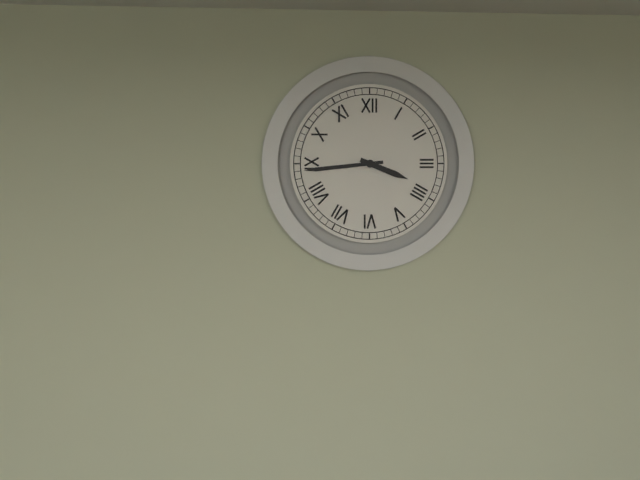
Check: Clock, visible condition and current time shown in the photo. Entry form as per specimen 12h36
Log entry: 3h44
